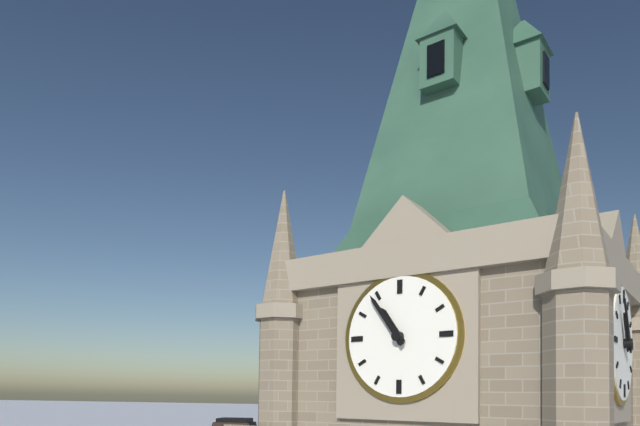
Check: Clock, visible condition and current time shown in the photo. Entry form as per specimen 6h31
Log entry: 10h54
